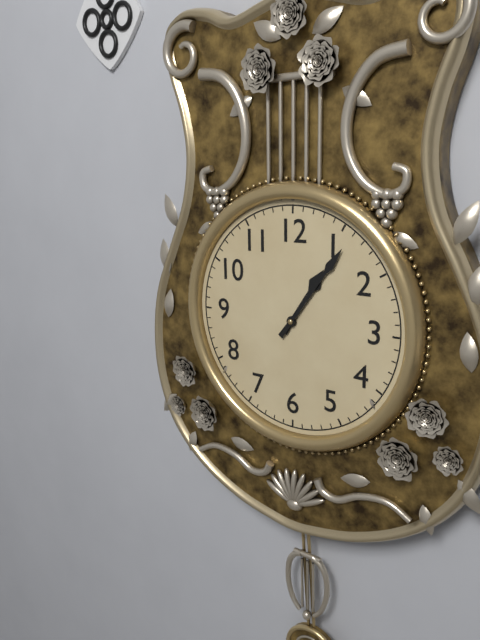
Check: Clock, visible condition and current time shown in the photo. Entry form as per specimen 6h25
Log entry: 1h06
